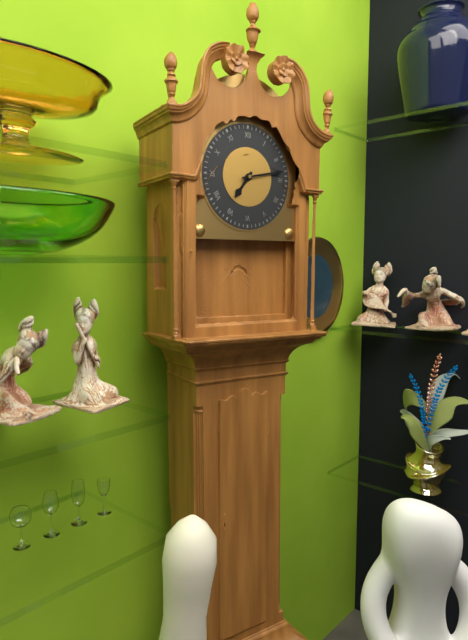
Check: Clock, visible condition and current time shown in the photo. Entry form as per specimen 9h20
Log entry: 7h13
